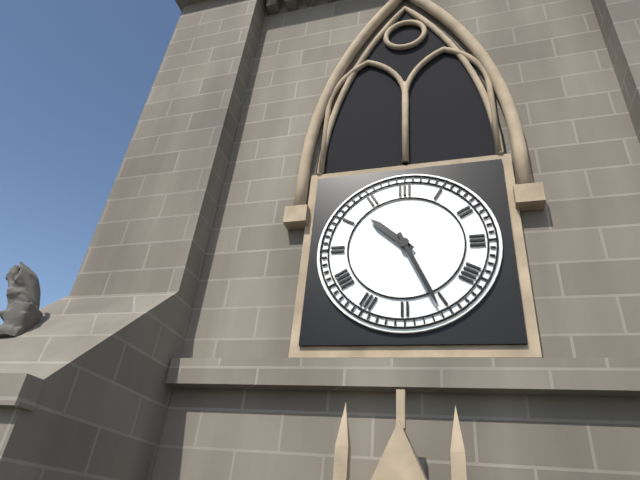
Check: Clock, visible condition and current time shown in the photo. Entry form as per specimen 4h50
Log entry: 10h26
